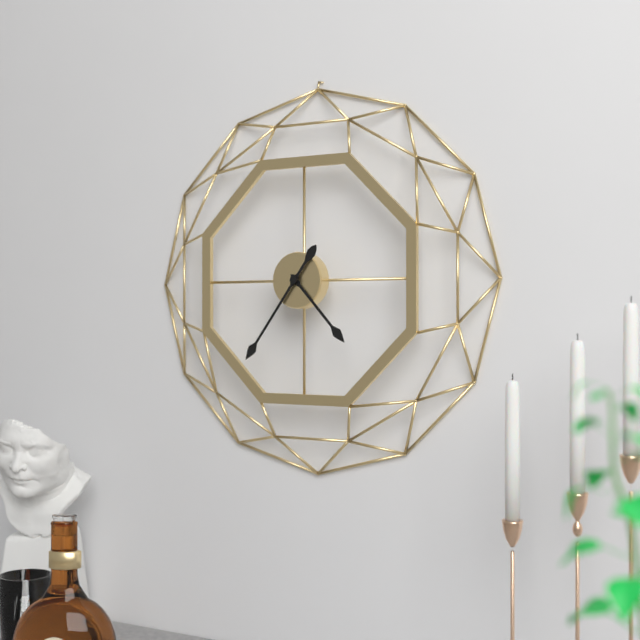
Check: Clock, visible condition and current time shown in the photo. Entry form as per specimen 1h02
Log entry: 4h36
